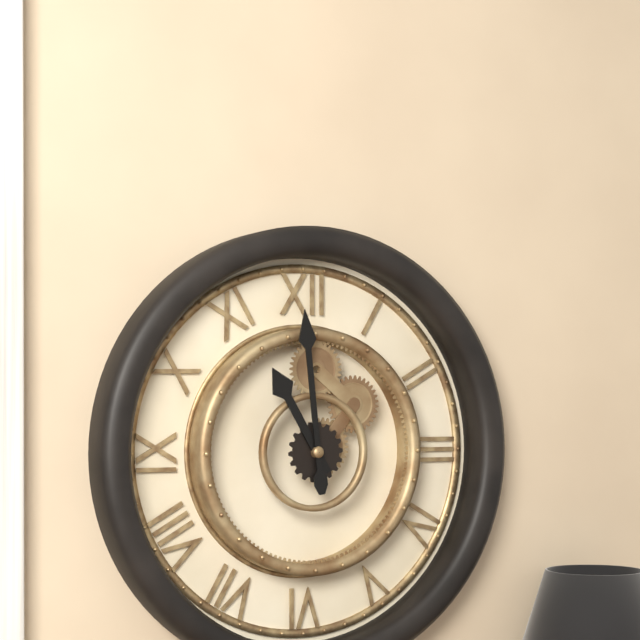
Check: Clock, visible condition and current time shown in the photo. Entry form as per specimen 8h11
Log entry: 10h59
